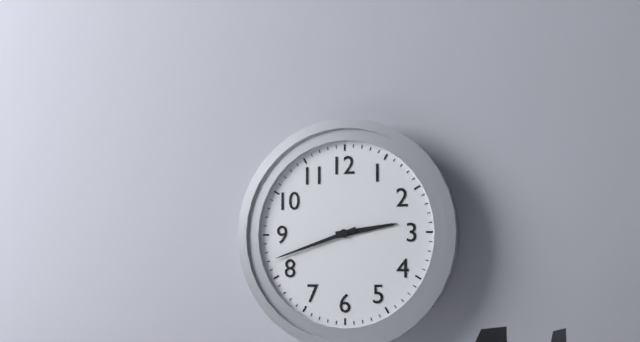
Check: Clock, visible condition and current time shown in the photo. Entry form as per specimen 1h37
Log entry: 2h42
